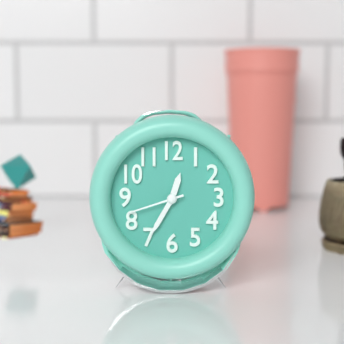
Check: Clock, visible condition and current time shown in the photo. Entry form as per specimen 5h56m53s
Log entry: 12h35m42s
